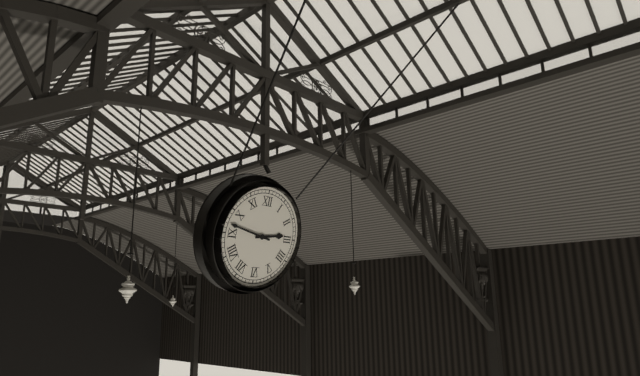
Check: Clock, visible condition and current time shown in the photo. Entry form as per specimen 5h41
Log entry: 2h47
